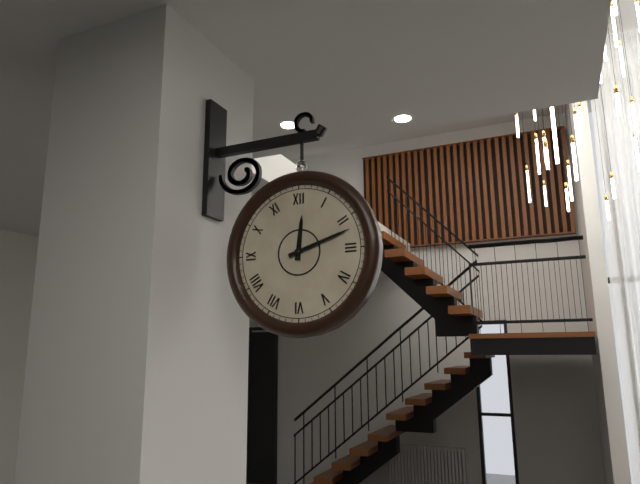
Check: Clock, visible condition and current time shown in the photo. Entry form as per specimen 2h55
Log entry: 12h12
